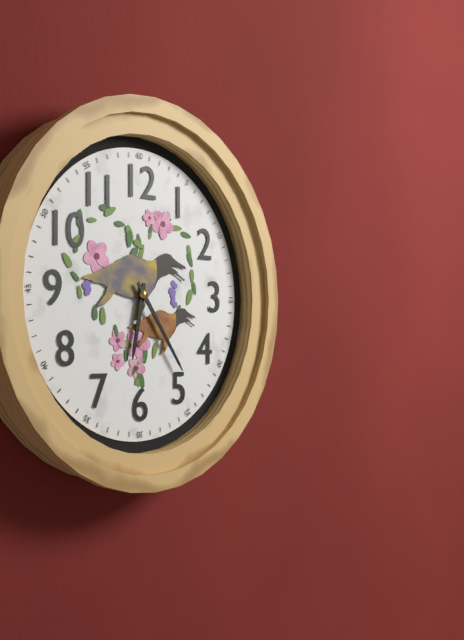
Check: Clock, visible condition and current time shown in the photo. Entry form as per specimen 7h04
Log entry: 6h24
